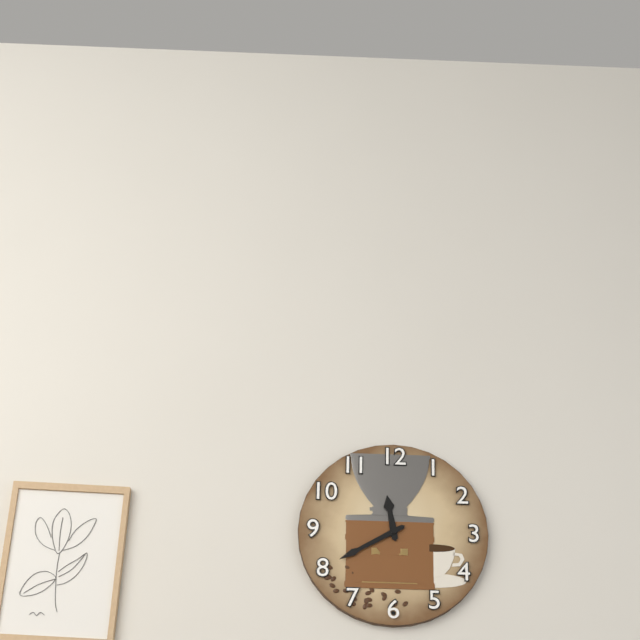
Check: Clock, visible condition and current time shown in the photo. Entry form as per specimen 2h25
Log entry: 11h40
